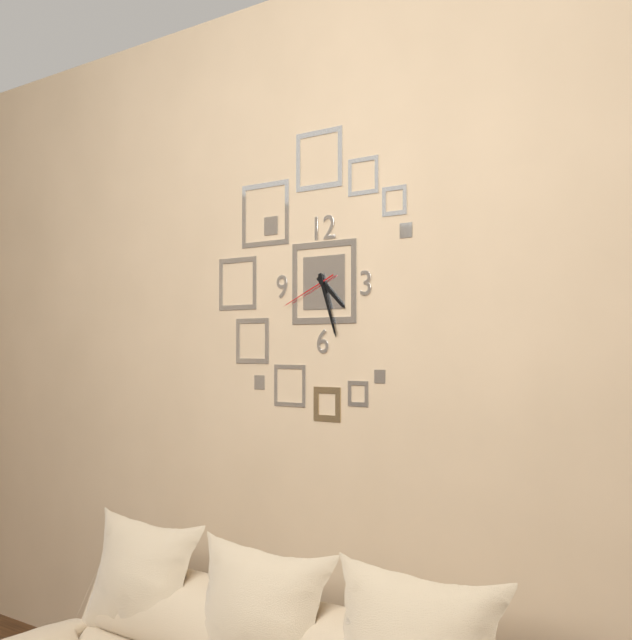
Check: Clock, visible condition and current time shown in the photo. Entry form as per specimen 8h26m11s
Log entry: 4h27m41s
